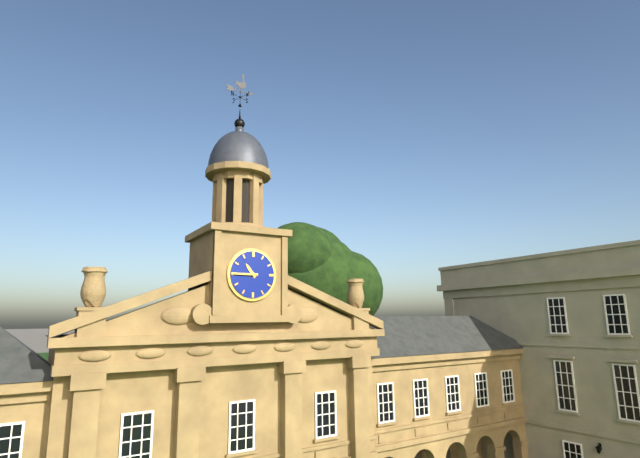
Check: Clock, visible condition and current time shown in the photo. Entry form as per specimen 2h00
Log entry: 10h45
